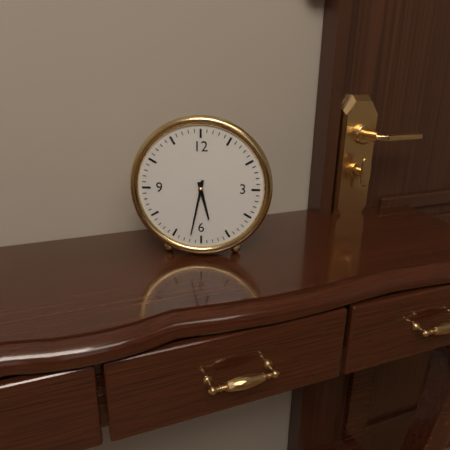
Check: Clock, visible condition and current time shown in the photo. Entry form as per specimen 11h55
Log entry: 5h32
